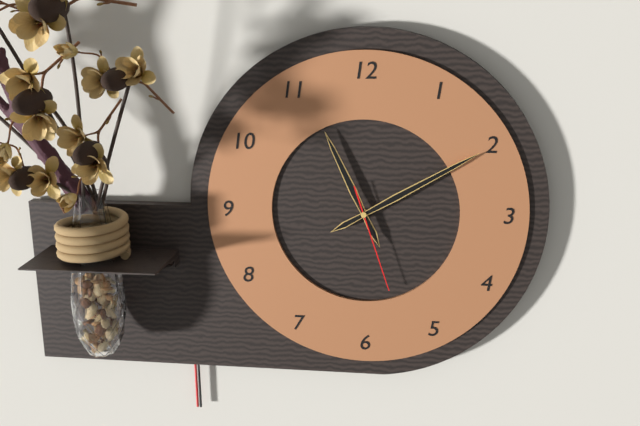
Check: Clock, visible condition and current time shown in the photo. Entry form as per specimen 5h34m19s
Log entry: 11h10m27s
